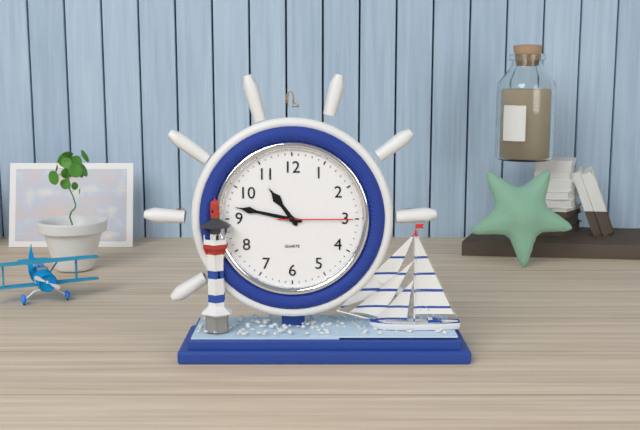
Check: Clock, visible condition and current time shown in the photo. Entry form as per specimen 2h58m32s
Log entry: 10h47m15s
